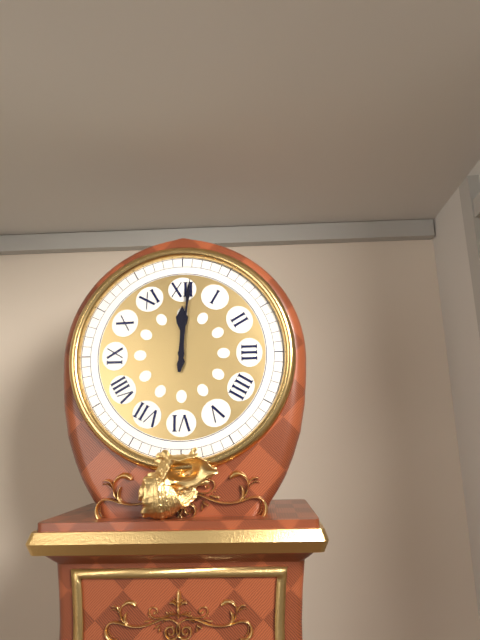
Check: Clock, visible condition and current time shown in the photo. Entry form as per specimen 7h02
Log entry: 12h01
